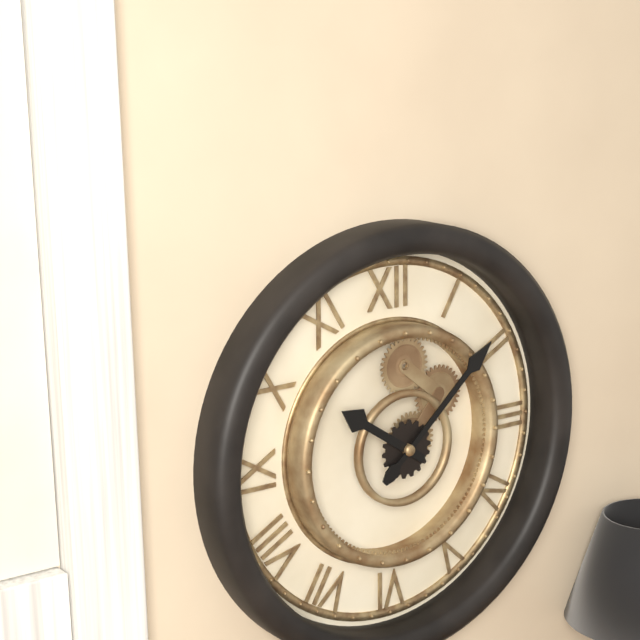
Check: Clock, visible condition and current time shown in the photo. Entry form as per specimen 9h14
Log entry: 10h08
